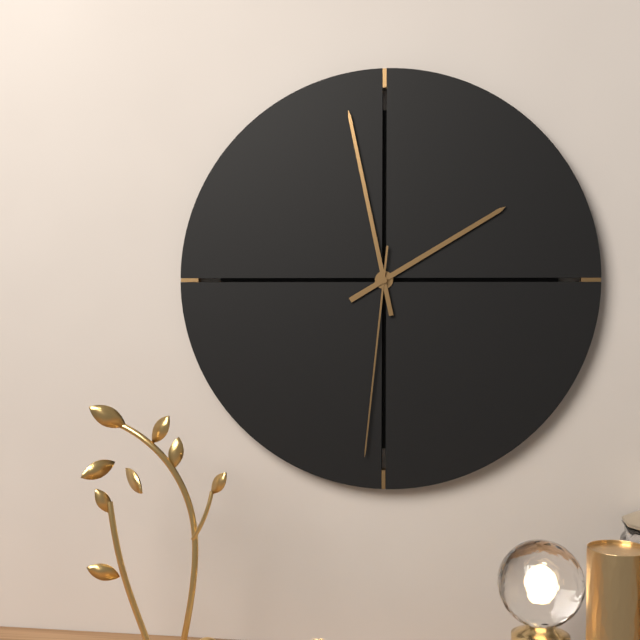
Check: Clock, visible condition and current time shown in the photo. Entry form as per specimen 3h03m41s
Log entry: 1h58m31s
